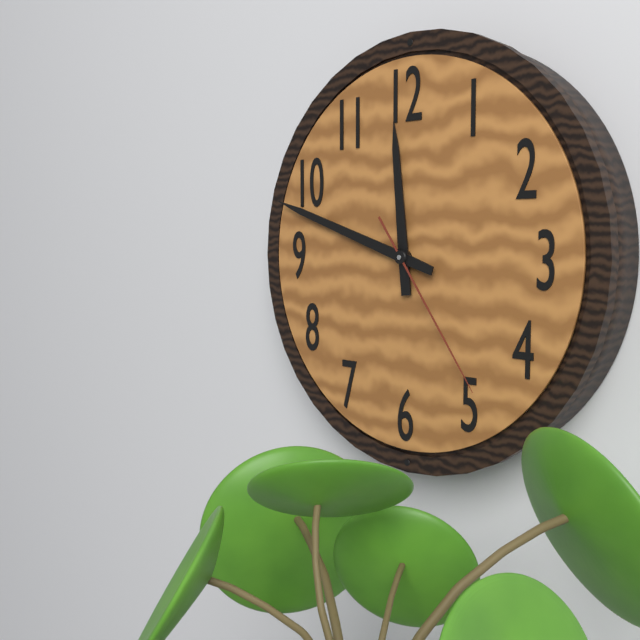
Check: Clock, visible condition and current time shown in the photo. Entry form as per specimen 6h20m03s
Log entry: 11h48m24s
